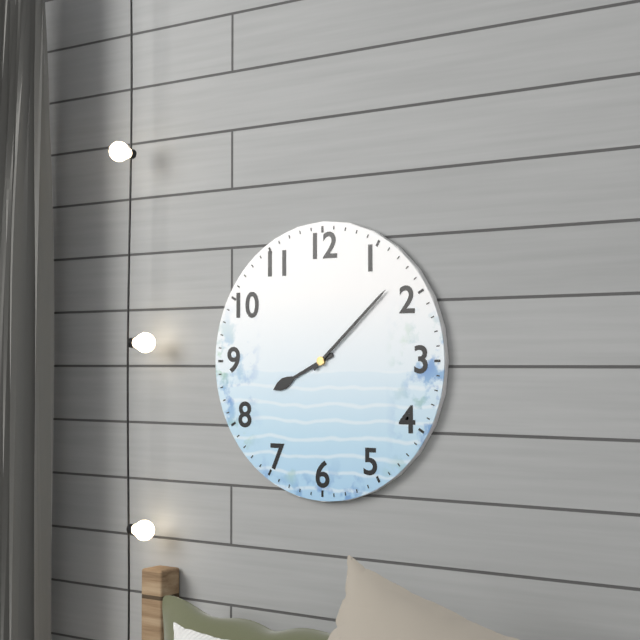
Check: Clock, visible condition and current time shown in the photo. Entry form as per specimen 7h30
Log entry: 8h08
